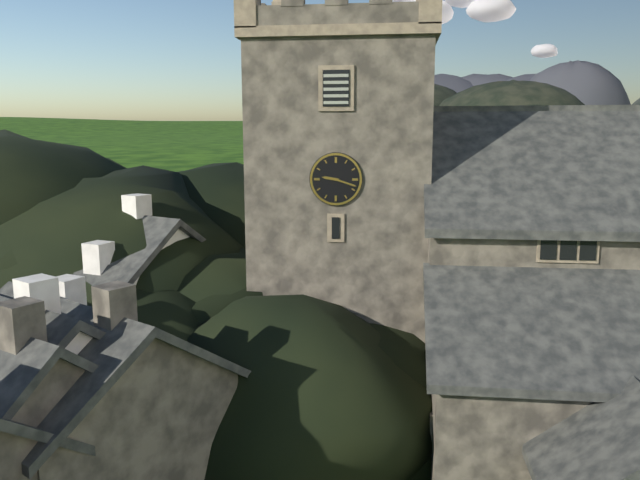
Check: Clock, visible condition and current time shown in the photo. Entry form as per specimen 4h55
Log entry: 9h18
